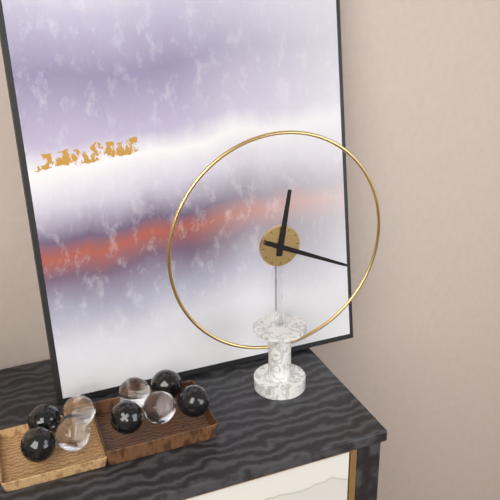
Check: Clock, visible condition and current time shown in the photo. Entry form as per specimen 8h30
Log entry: 12h19
